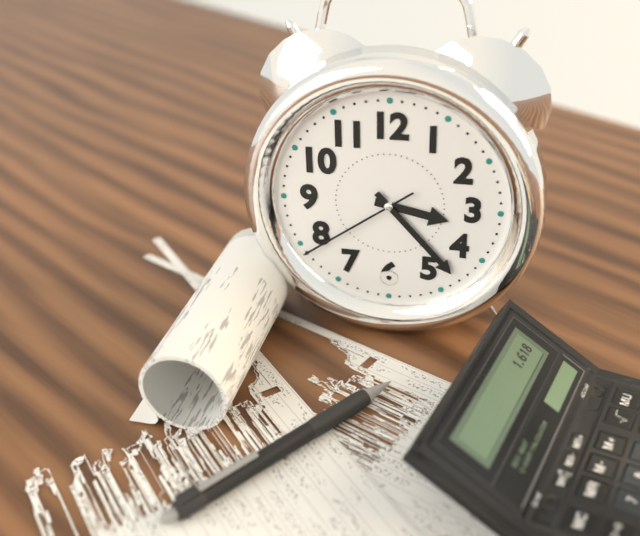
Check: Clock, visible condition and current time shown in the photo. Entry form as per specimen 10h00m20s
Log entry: 3h23m39s
